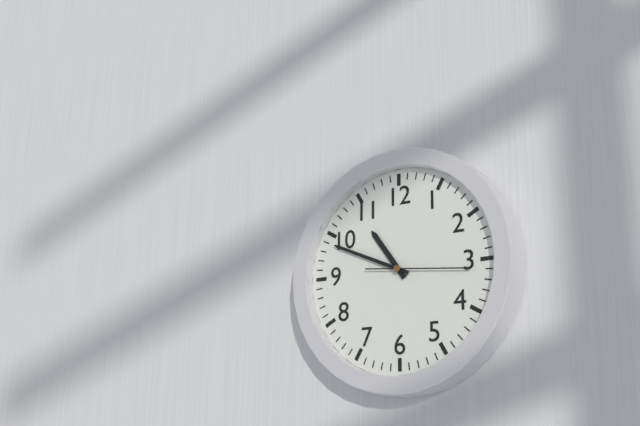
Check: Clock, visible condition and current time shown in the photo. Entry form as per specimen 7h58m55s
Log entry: 10h49m16s
